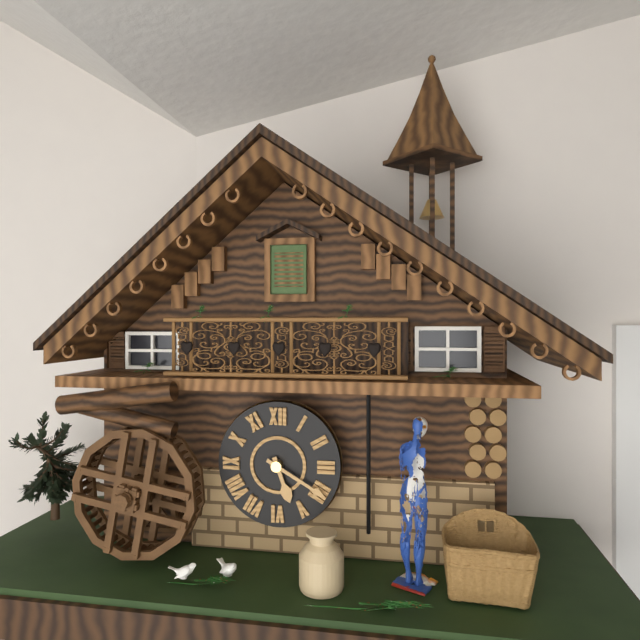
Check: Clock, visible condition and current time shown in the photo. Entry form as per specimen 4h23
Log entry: 5h20
